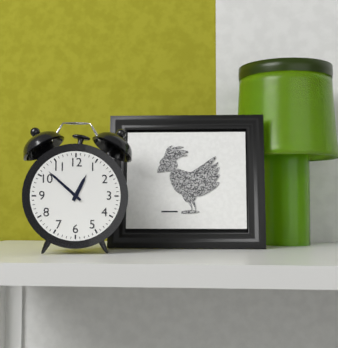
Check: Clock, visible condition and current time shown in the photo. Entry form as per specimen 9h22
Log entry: 12h52
